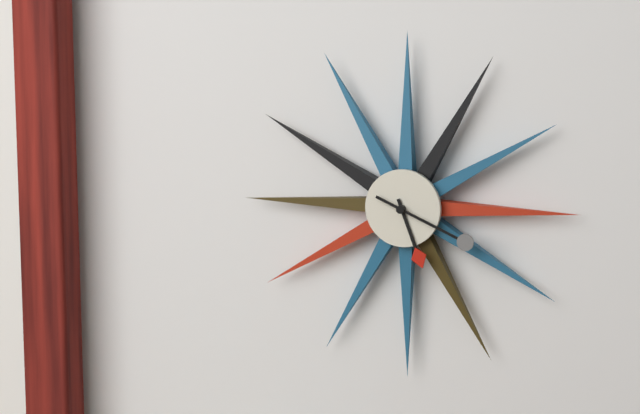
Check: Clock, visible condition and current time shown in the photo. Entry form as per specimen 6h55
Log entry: 5h19
